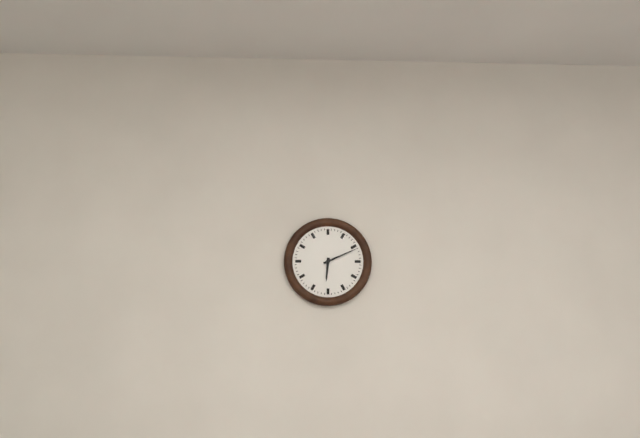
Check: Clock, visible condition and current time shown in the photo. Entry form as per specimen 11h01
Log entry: 6h11
